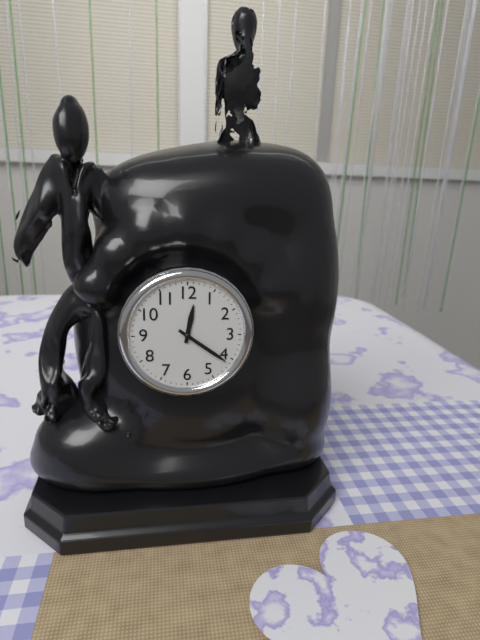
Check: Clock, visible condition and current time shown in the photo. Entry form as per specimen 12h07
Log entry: 12h21
